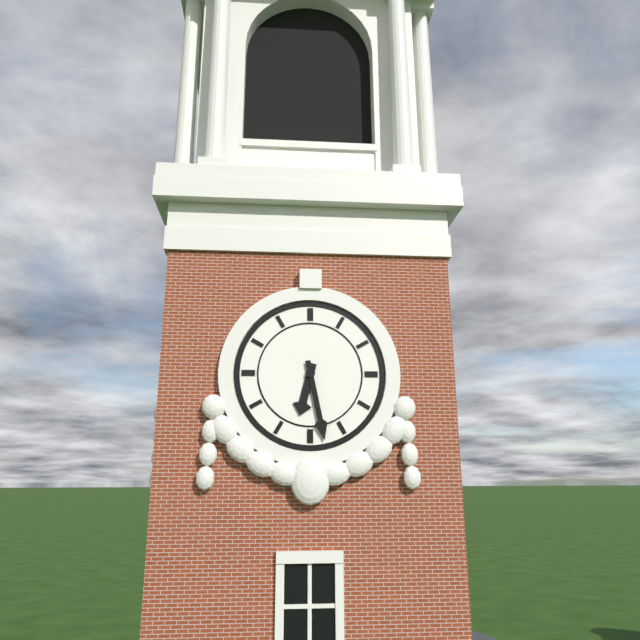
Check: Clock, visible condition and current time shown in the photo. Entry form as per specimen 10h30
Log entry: 6h28
